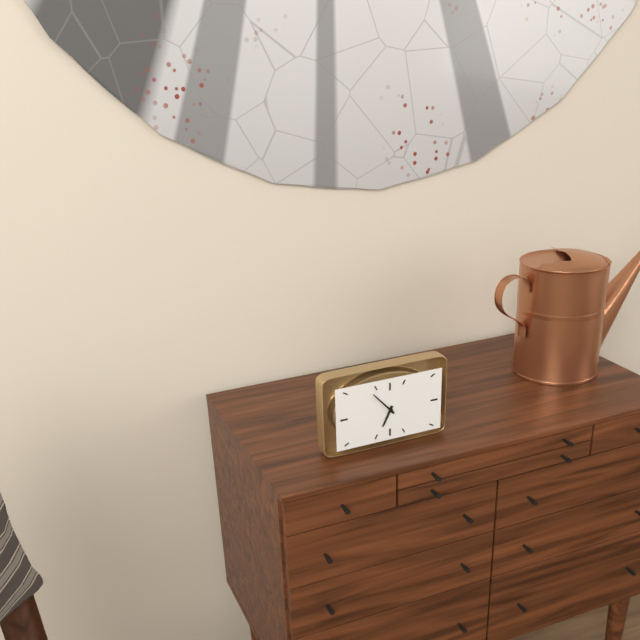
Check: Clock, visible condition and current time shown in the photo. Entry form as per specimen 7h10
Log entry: 6h53
